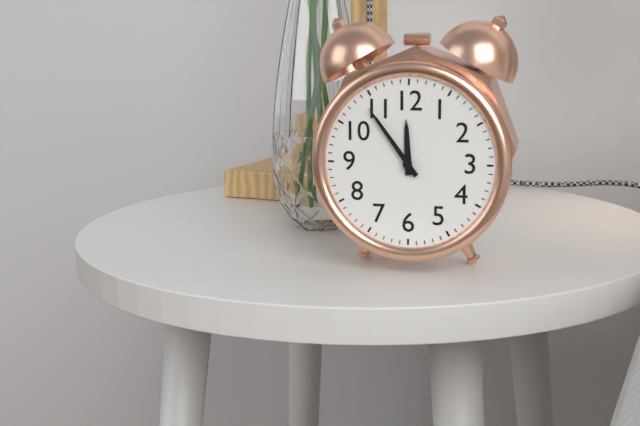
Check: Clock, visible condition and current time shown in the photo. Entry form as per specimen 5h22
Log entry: 11h54
